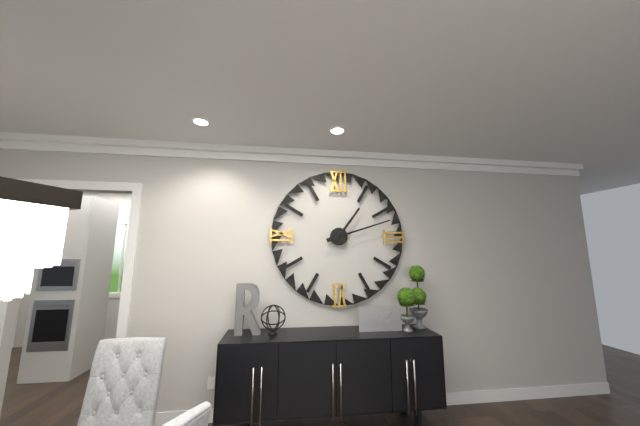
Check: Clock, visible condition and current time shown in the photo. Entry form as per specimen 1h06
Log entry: 1h12
